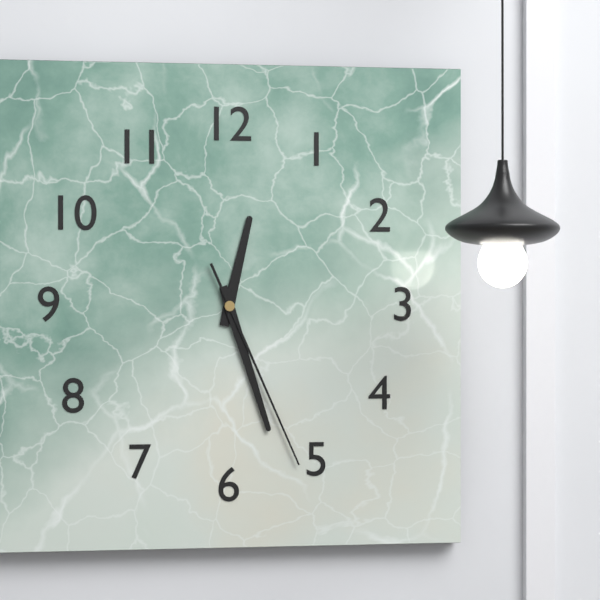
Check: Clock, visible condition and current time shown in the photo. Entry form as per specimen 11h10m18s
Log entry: 12h27m26s
